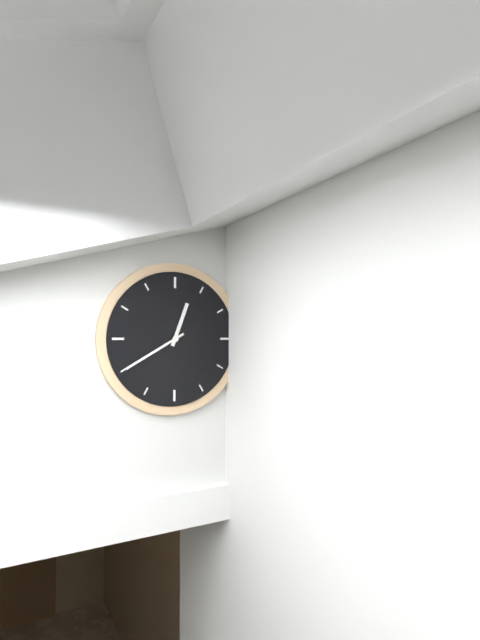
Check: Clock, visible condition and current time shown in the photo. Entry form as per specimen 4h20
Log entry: 12h40
